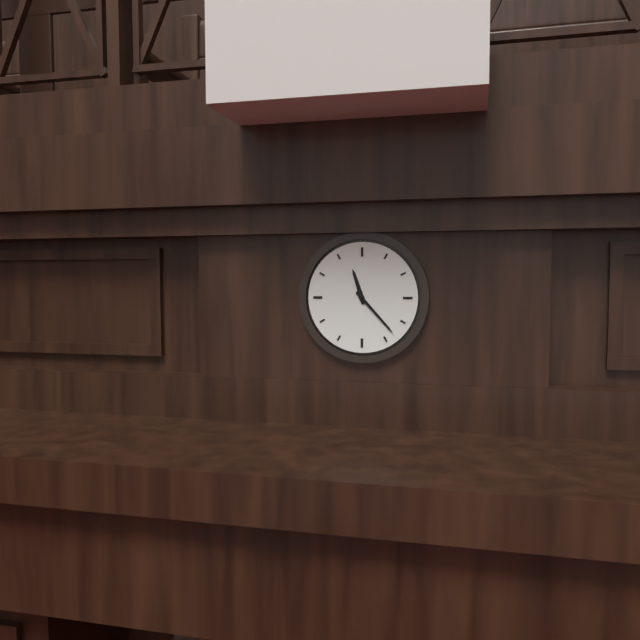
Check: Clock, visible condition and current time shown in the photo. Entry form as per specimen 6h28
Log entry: 11h23
